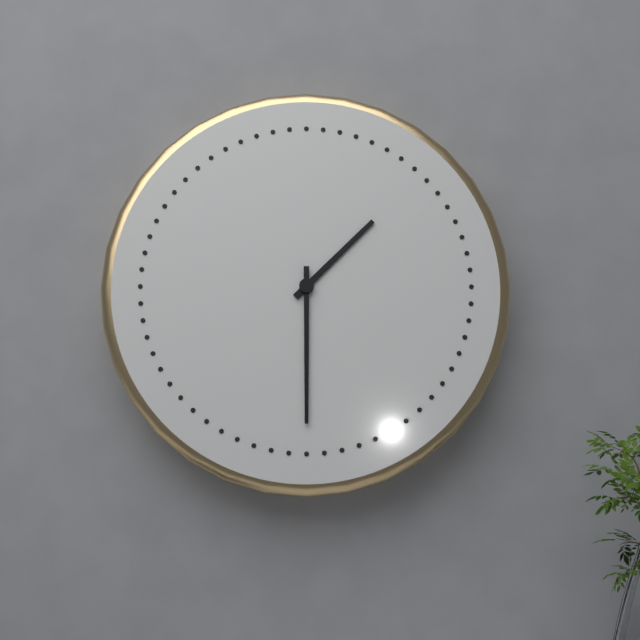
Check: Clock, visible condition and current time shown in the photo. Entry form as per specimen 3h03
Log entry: 1h30
